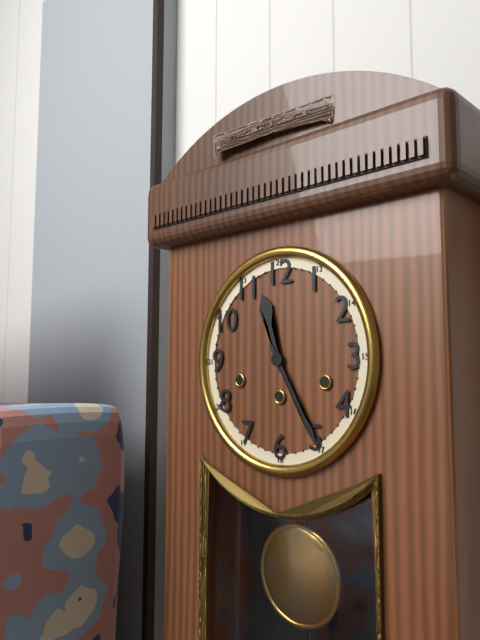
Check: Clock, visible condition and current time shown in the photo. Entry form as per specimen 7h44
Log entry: 11h25
